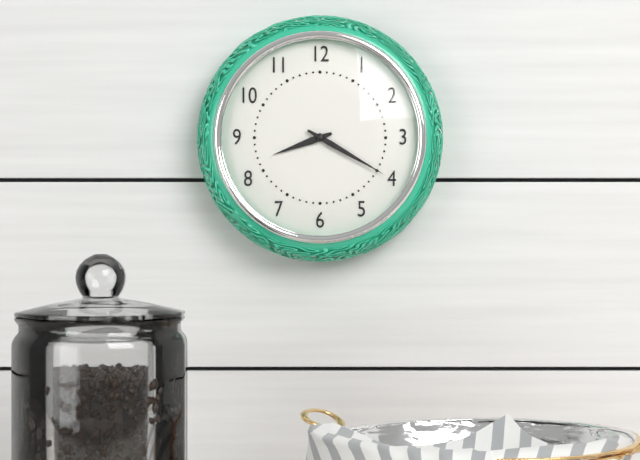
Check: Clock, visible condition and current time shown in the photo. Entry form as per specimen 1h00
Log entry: 8h20
